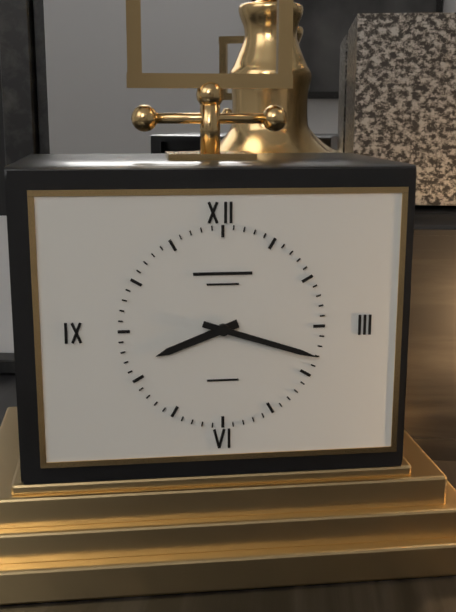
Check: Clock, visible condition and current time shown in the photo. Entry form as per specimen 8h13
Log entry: 8h18
